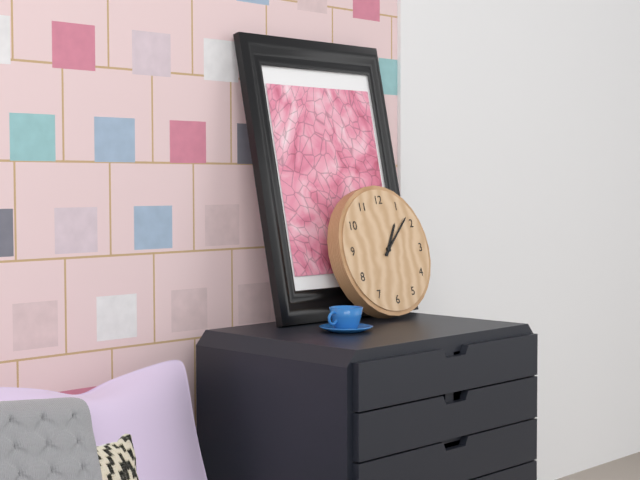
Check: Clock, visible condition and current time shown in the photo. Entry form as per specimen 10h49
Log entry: 1h08
